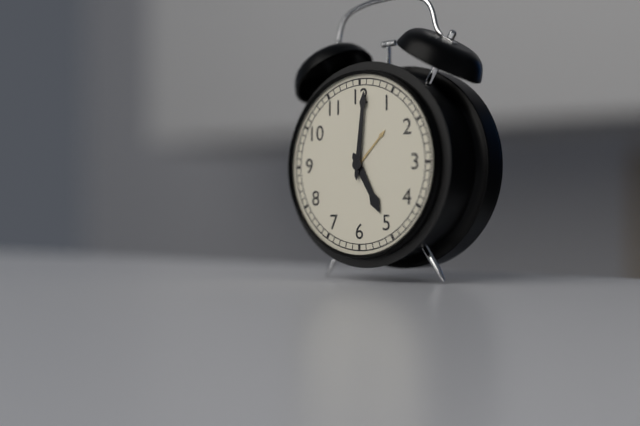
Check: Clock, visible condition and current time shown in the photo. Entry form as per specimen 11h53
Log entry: 5h01
